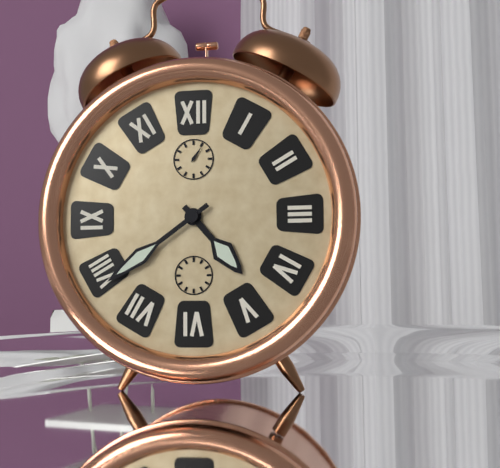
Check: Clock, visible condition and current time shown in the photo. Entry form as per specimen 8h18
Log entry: 4h39
